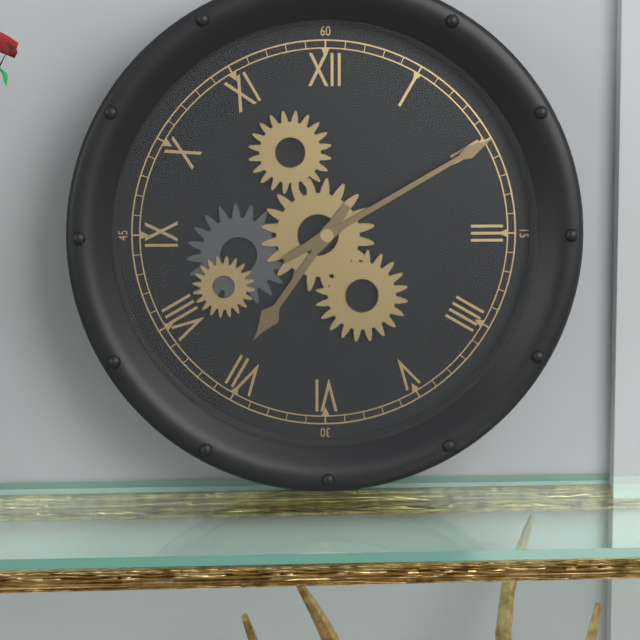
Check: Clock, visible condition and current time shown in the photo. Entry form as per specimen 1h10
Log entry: 7h10
